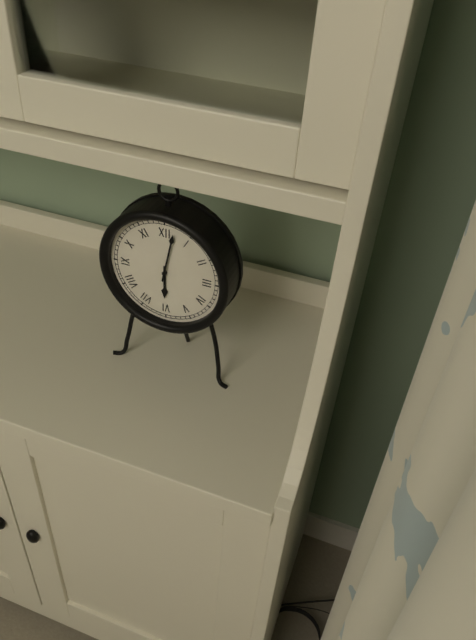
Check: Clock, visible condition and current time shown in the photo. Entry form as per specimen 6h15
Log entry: 6h02
